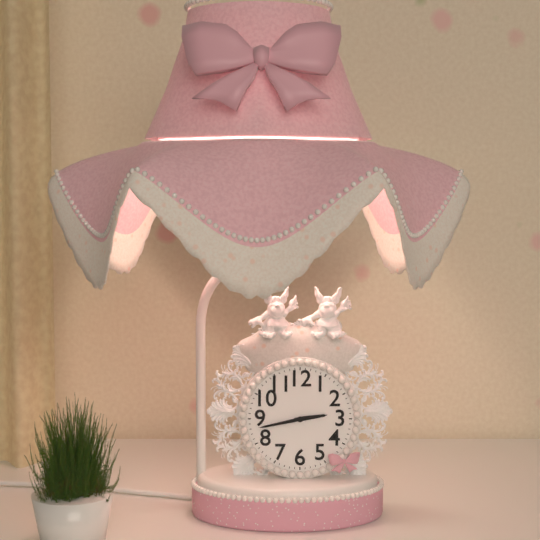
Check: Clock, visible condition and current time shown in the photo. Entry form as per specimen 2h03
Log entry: 2h43
